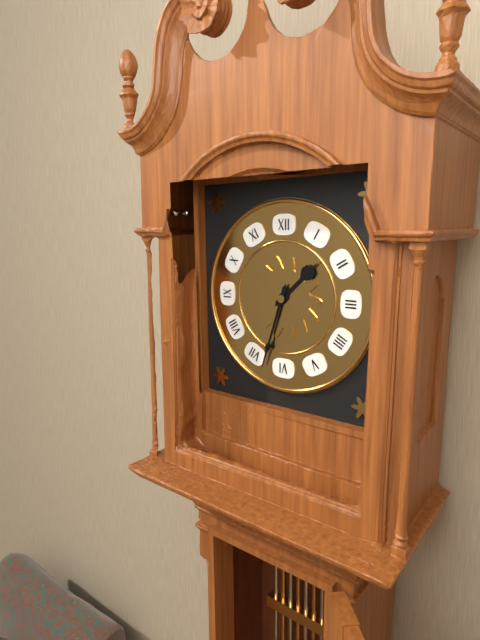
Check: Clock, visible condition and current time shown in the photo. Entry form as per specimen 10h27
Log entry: 1h33
